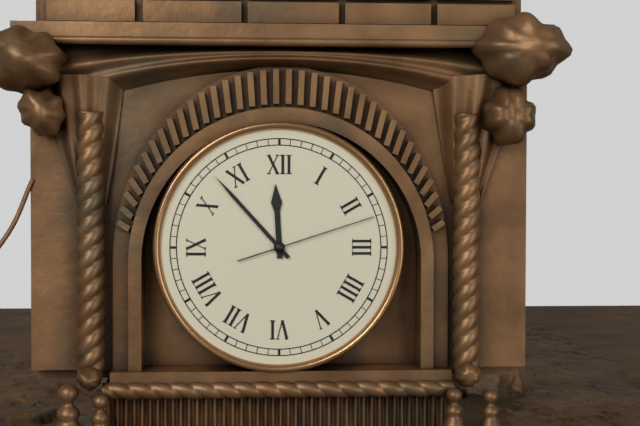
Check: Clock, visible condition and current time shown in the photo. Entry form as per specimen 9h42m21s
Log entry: 11h53m12s
